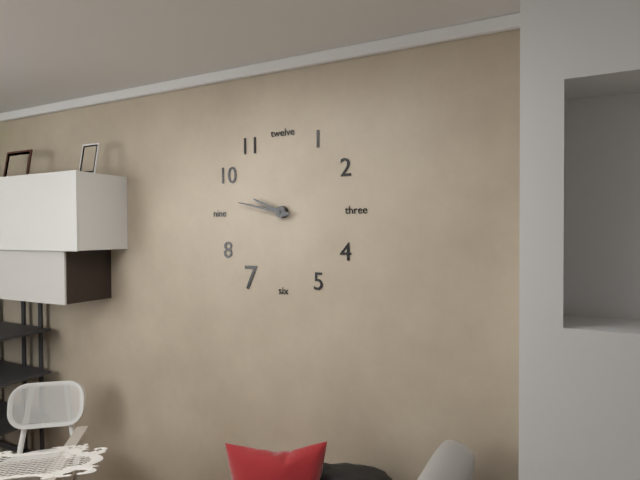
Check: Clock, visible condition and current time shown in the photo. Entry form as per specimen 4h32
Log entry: 9h47
